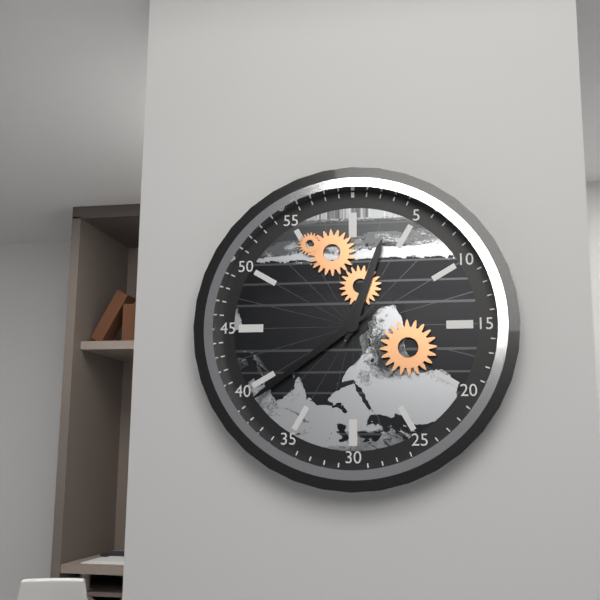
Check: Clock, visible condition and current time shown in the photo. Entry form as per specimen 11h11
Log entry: 12h39
